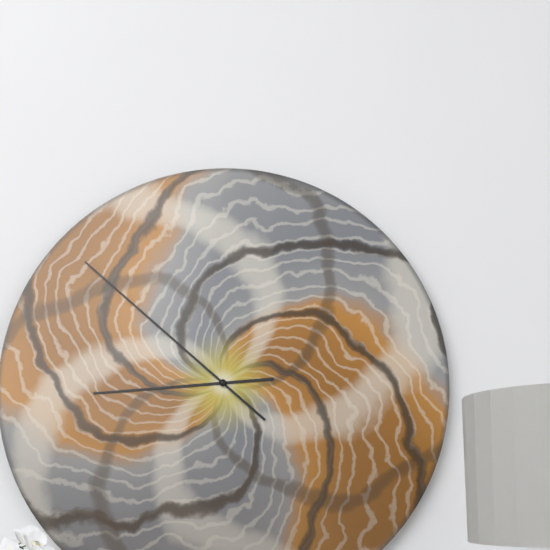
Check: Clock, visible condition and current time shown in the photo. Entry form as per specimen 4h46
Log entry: 8h52
